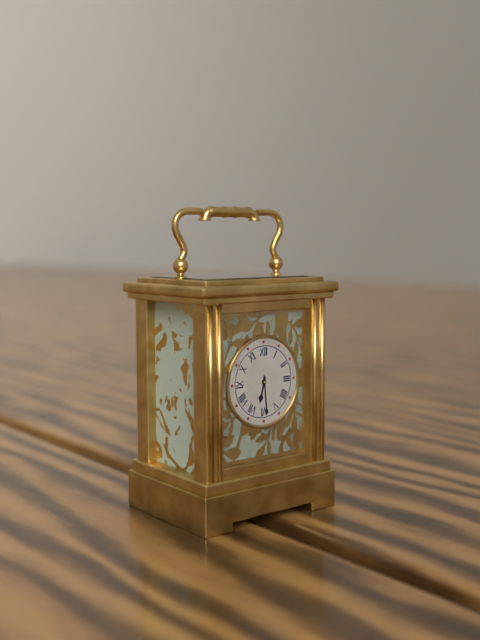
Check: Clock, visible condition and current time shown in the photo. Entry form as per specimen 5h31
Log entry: 6h29
